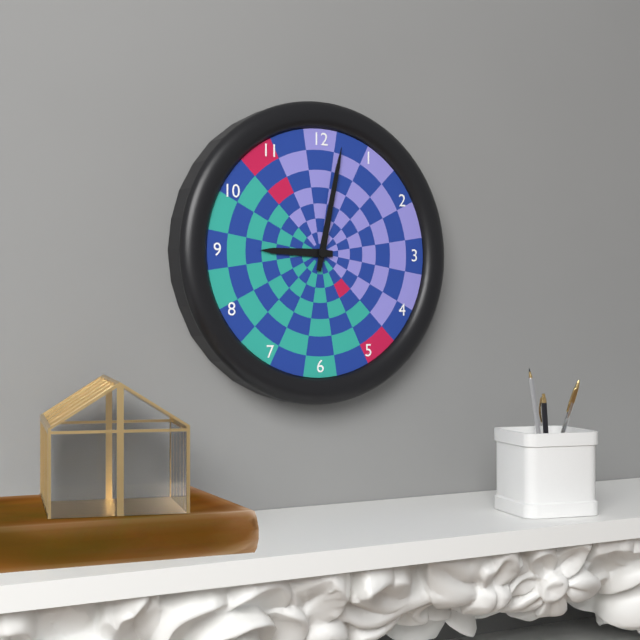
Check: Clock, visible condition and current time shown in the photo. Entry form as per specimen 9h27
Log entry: 9h02
